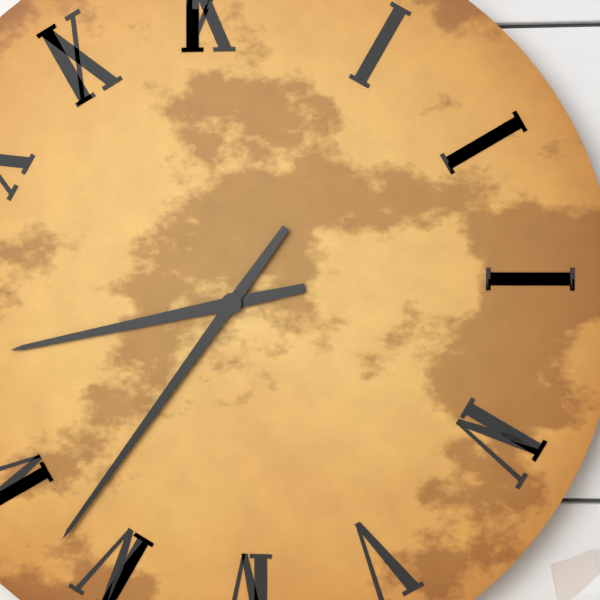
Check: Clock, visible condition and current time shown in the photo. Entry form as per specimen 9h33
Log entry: 8h36
